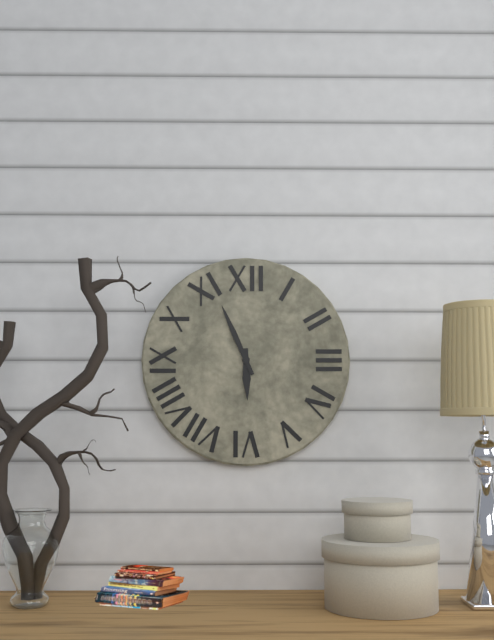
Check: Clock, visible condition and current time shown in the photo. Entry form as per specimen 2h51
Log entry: 5h56
